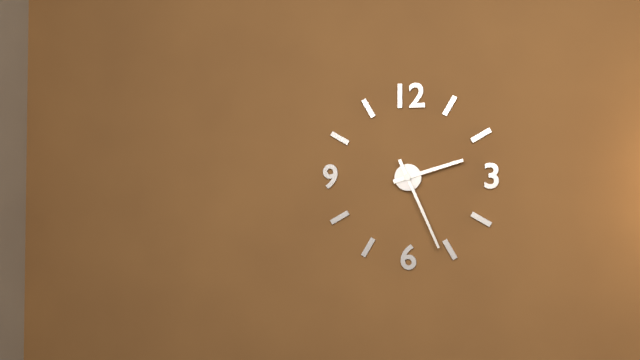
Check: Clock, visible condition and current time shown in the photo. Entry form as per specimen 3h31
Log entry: 2h26
